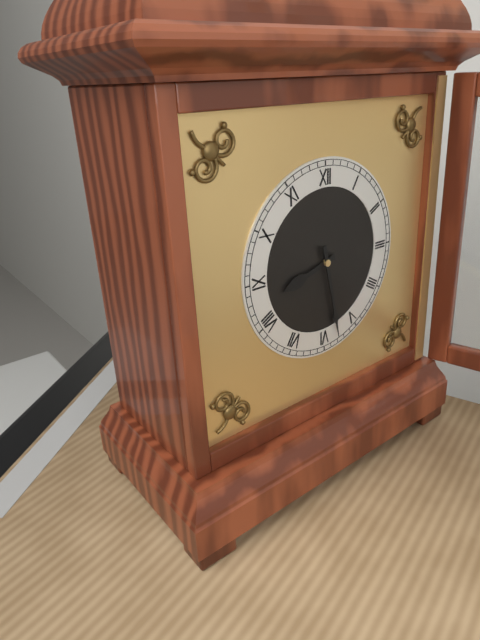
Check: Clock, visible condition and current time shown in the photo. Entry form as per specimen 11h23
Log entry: 8h28
